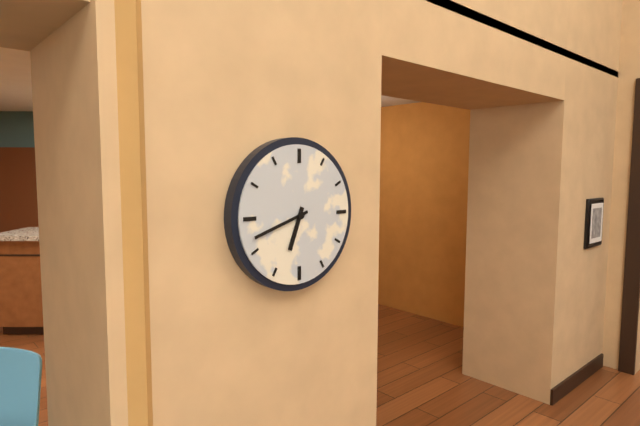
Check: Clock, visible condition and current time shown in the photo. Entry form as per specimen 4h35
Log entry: 6h42
